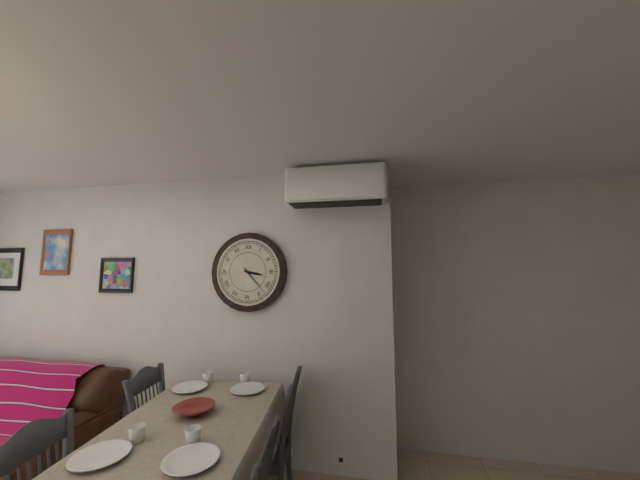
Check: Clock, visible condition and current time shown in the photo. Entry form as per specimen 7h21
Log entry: 3h23
